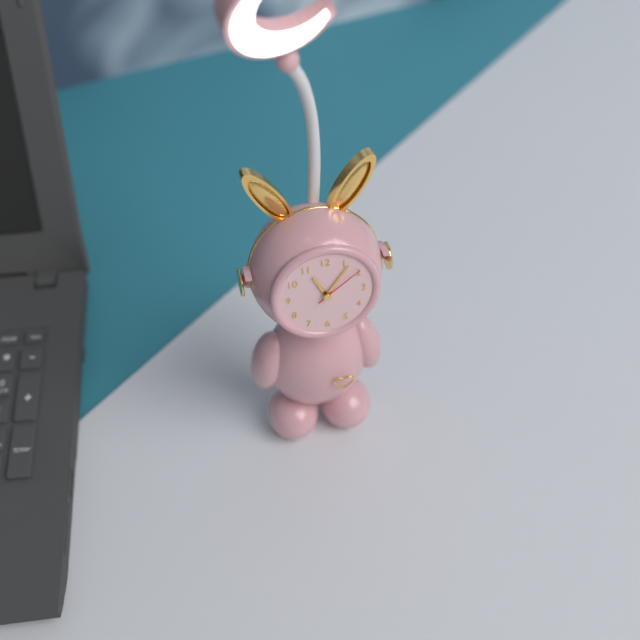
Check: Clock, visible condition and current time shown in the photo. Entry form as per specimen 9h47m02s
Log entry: 11h06m09s
